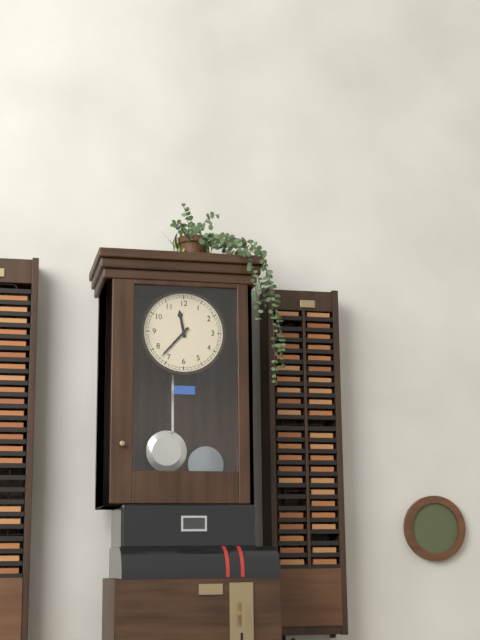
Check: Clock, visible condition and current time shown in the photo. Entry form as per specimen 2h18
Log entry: 11h37
